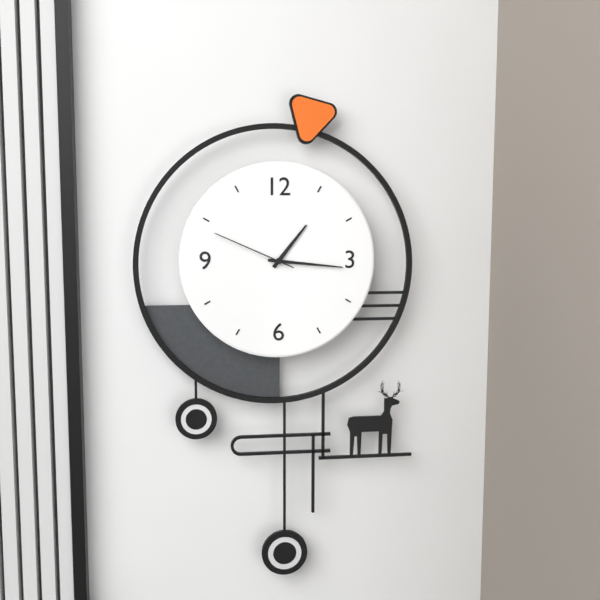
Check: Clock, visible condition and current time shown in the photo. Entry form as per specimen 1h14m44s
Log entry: 1h16m49s
